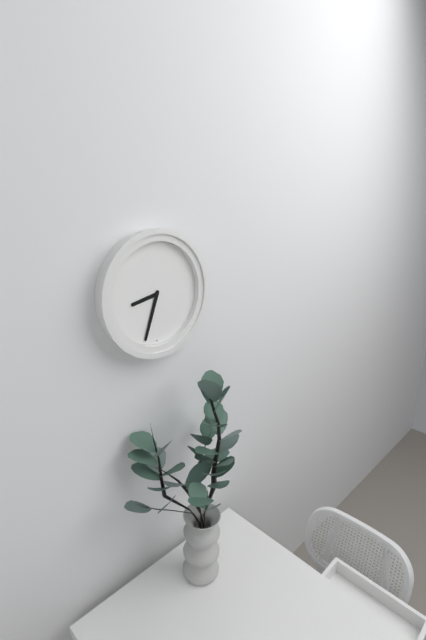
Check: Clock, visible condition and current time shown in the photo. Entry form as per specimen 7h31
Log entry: 8h33
